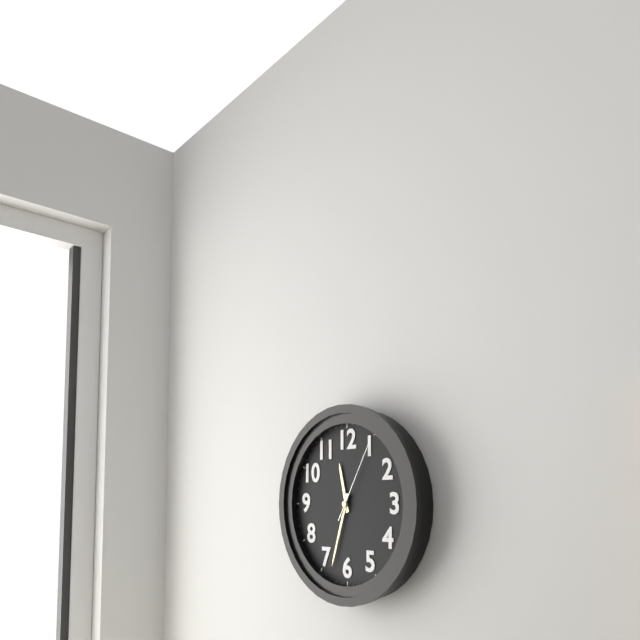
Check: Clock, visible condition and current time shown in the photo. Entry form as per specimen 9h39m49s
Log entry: 11h33m05s
